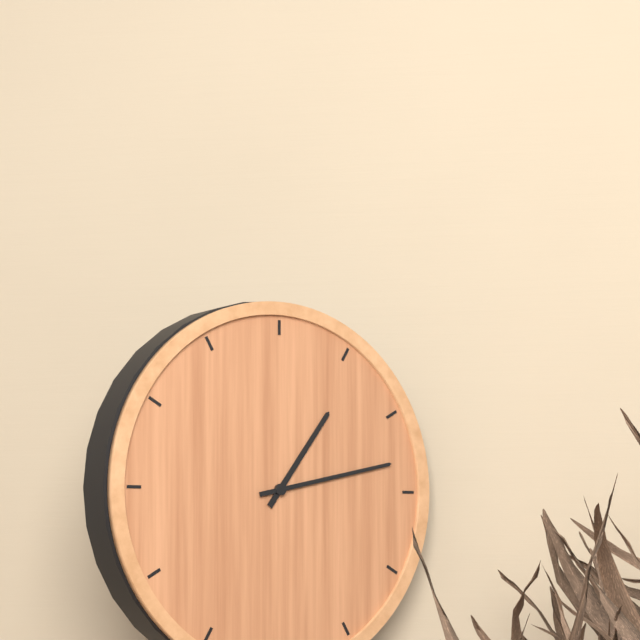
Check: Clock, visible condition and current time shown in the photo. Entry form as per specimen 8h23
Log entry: 1h13
